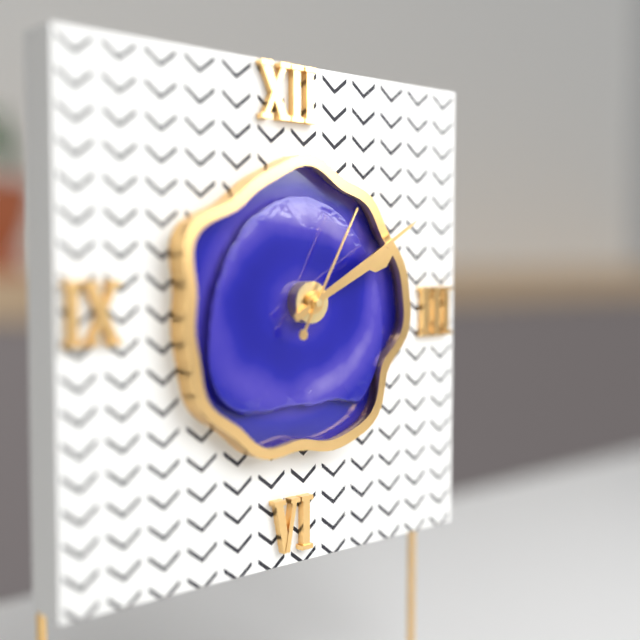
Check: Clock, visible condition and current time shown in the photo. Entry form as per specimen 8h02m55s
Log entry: 2h10m05s
